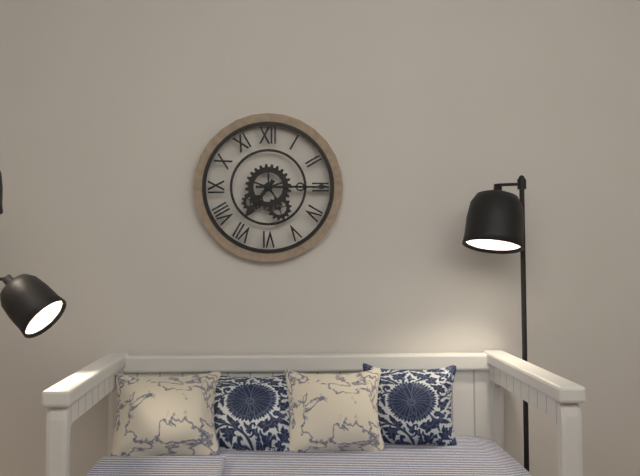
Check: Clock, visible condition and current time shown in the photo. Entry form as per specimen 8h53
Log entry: 7h15
